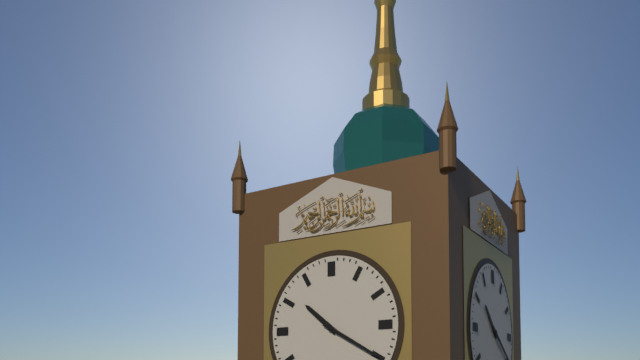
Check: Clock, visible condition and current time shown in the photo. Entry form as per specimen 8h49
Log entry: 10h20
